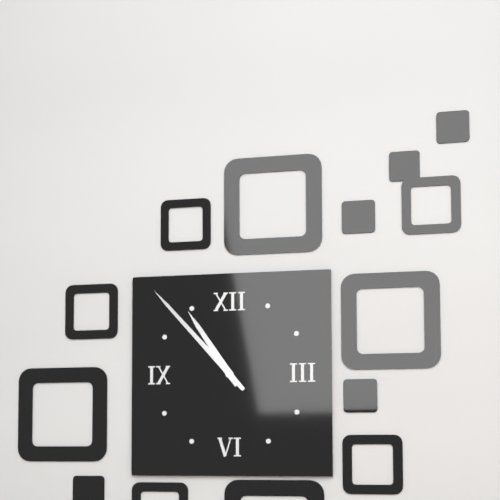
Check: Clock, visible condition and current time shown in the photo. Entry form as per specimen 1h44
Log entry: 10h53
